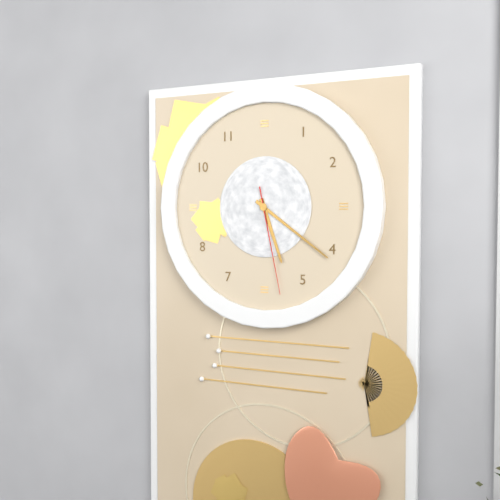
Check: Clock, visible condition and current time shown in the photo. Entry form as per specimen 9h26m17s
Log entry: 5h21m28s
